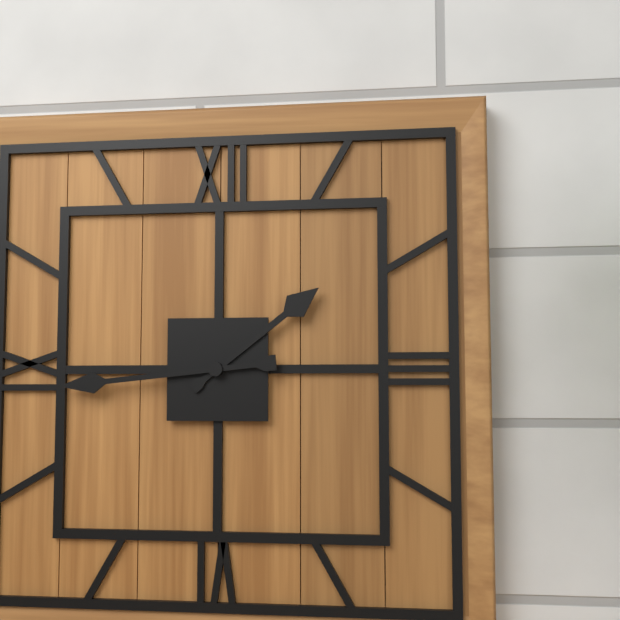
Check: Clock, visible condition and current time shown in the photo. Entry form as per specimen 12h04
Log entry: 1h44
